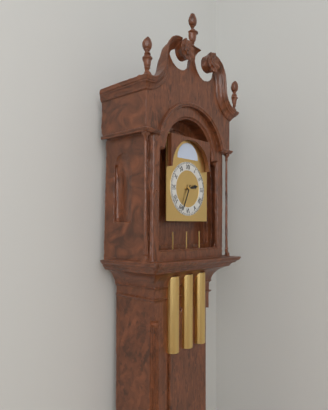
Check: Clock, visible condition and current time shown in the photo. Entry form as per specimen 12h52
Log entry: 2h34
